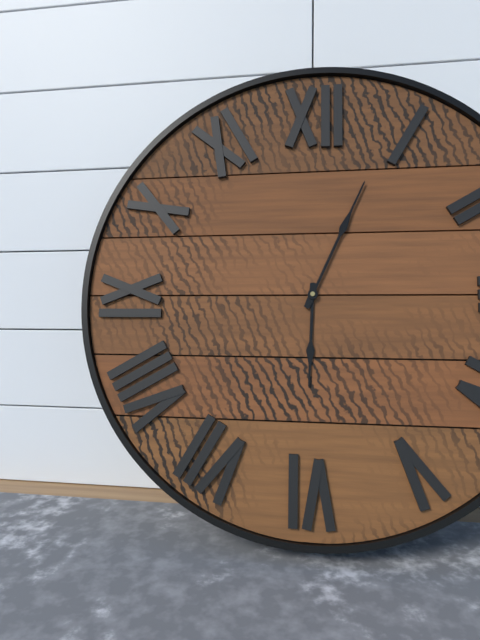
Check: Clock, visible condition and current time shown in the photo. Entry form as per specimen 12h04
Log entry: 6h04
